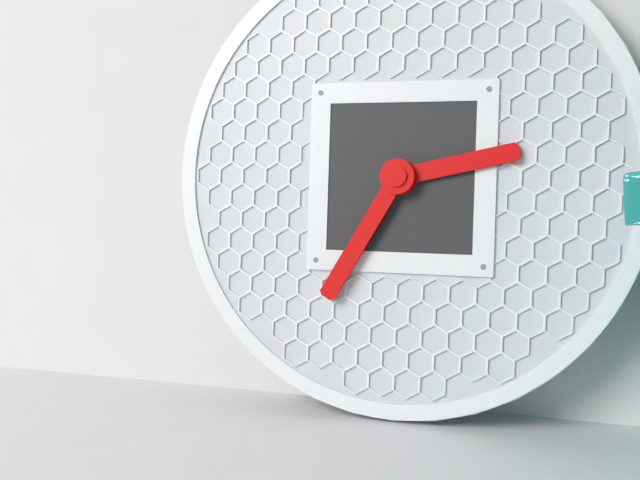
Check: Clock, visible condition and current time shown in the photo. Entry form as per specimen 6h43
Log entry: 2h35
